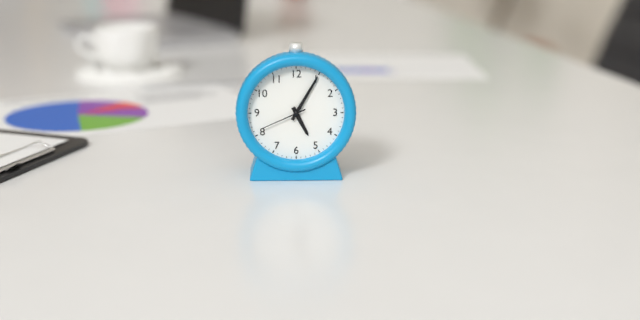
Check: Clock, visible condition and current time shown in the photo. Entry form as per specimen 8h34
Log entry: 5h05
